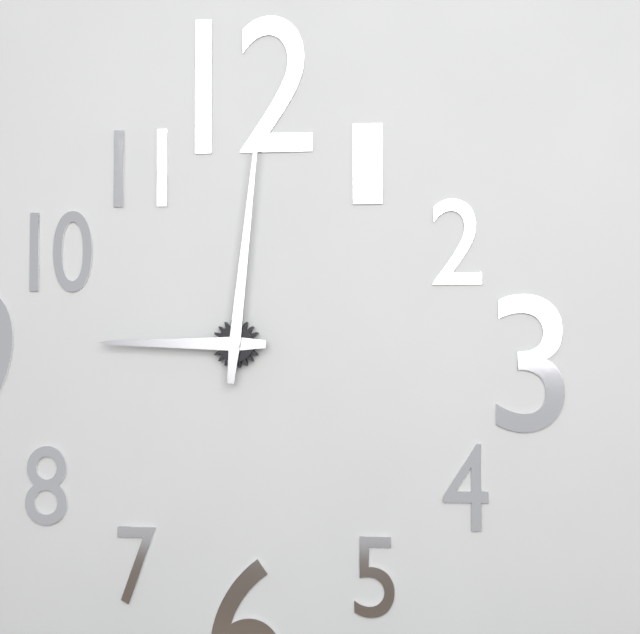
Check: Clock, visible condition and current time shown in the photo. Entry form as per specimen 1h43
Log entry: 9h01
